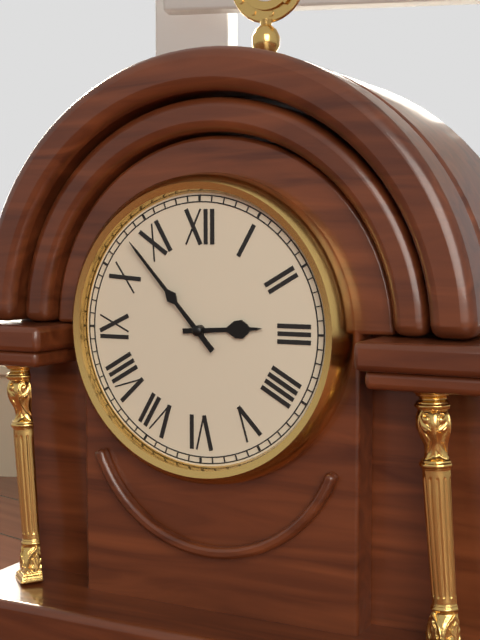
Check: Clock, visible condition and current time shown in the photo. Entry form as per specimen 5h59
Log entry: 2h53
